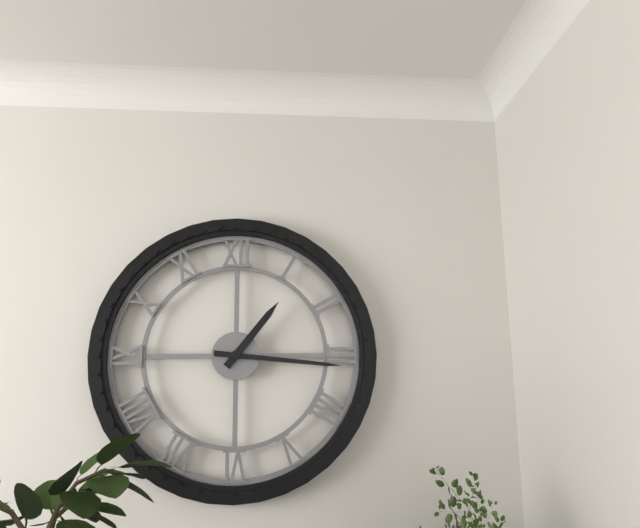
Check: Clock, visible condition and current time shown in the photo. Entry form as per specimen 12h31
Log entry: 1h16
